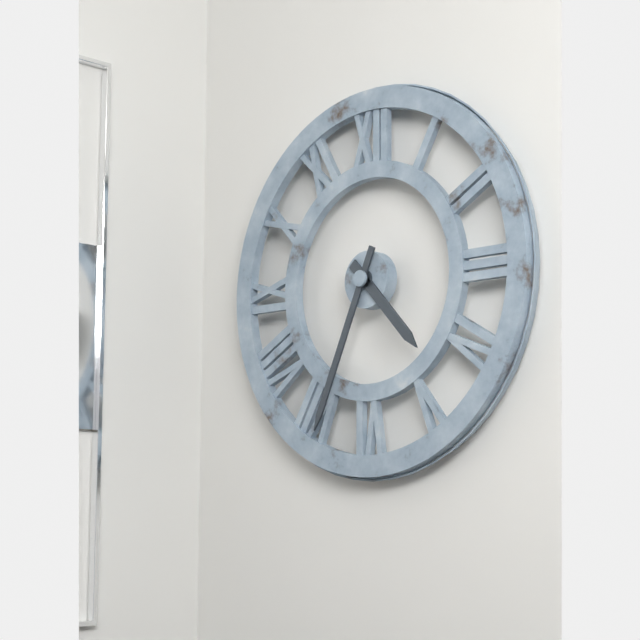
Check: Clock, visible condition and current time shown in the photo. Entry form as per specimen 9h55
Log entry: 4h34
